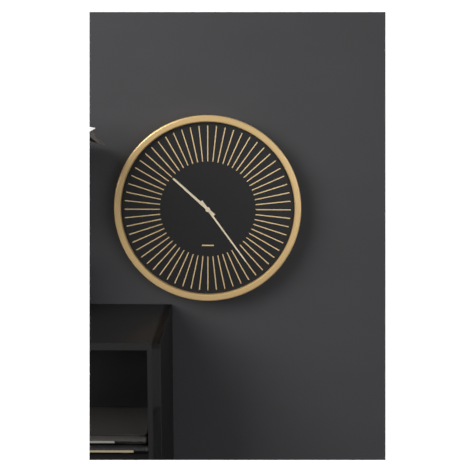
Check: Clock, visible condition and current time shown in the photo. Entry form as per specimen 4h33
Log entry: 10h24
